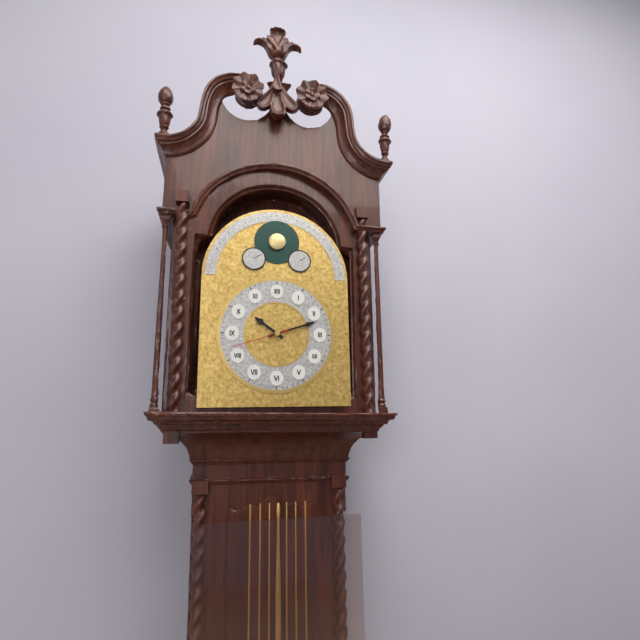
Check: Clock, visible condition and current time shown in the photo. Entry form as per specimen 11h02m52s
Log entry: 10h12m42s
